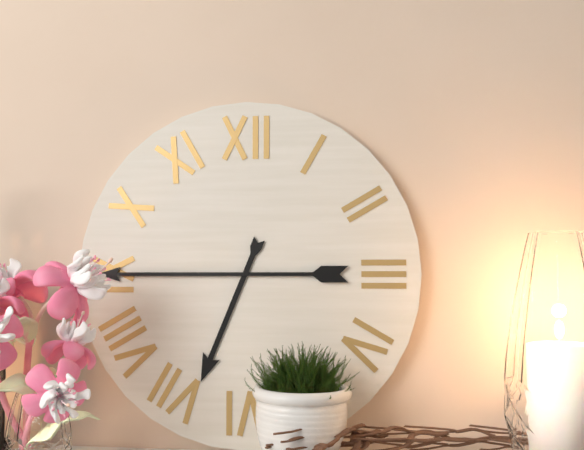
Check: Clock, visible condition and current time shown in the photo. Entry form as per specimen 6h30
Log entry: 6h45
